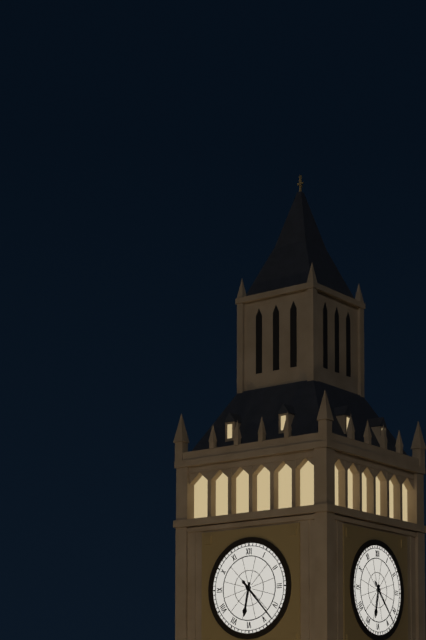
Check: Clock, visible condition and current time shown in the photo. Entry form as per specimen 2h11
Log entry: 6h23
